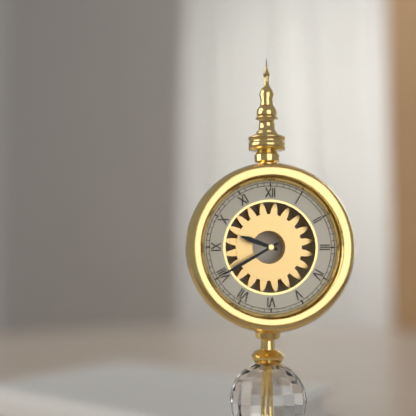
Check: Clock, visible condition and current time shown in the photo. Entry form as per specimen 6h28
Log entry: 9h40
